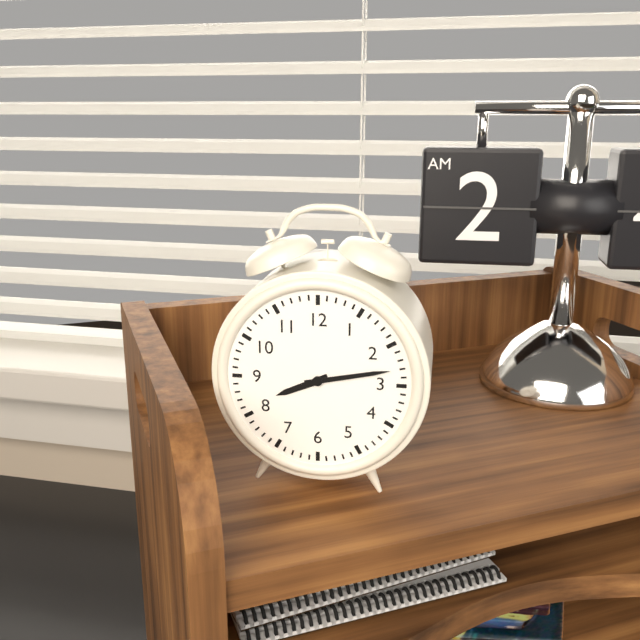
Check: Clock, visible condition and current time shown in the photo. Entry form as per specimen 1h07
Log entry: 8h13
